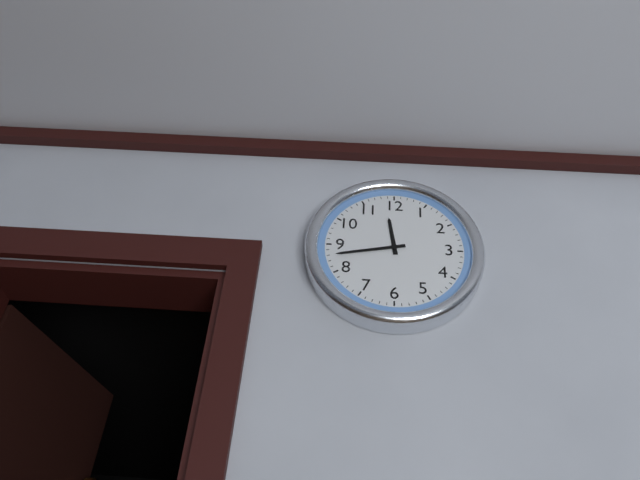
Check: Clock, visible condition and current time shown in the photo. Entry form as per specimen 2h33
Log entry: 11h43
